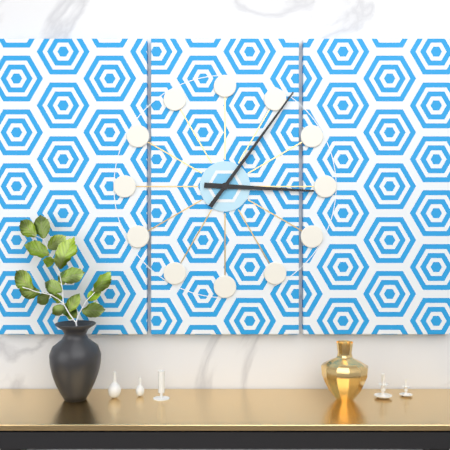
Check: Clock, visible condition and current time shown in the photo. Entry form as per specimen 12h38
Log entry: 3h06
